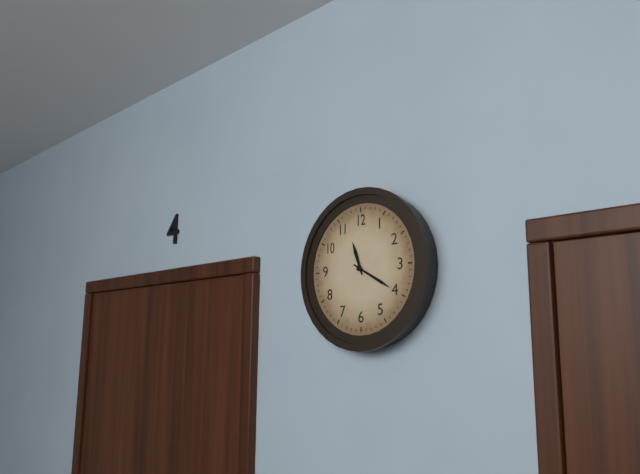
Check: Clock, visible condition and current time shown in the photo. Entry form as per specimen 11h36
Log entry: 11h20
